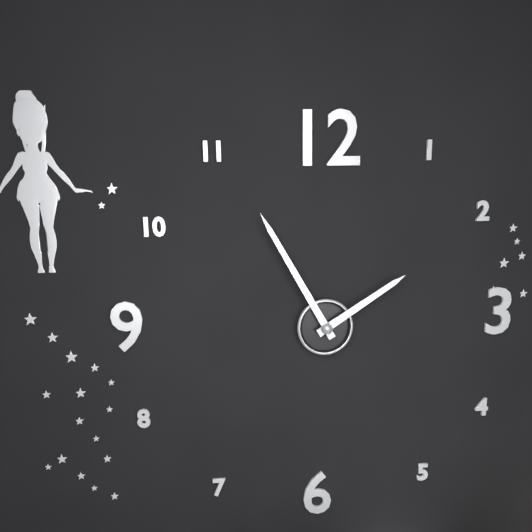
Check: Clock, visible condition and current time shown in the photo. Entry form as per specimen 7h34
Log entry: 1h55
